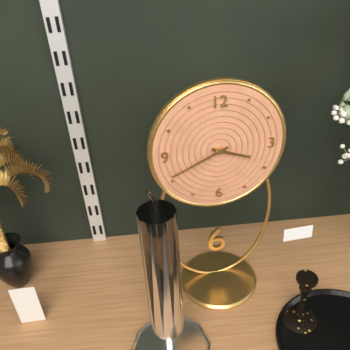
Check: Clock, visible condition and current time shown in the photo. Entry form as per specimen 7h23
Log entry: 3h41
